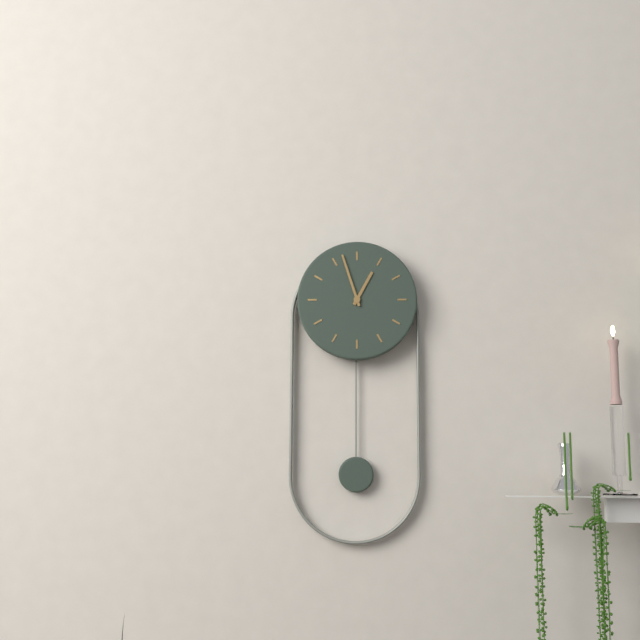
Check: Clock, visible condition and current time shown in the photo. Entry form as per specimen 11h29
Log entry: 12h57
